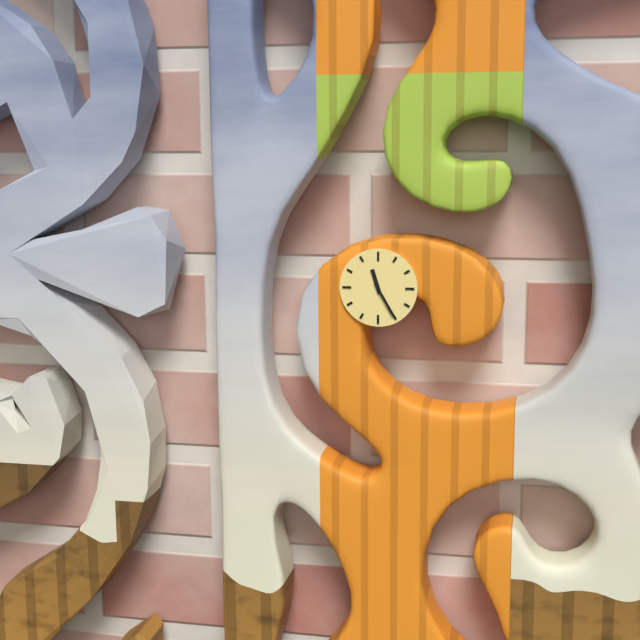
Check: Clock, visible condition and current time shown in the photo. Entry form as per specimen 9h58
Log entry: 11h25
